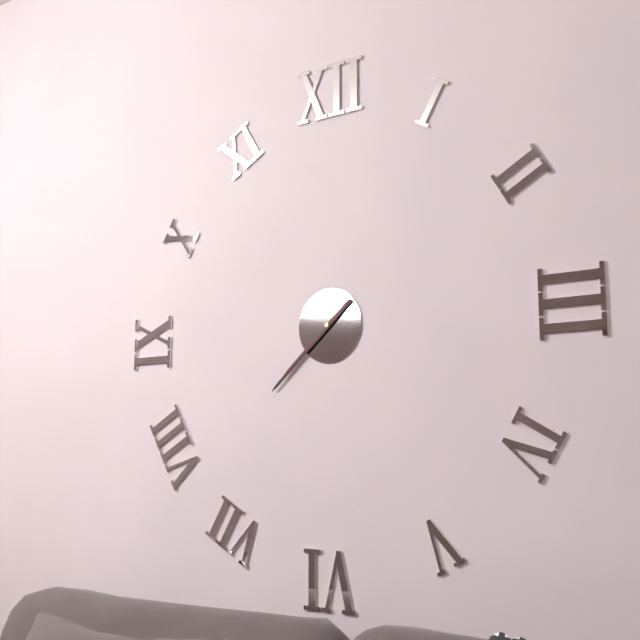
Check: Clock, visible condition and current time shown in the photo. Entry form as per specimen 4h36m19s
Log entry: 7h38m38s
